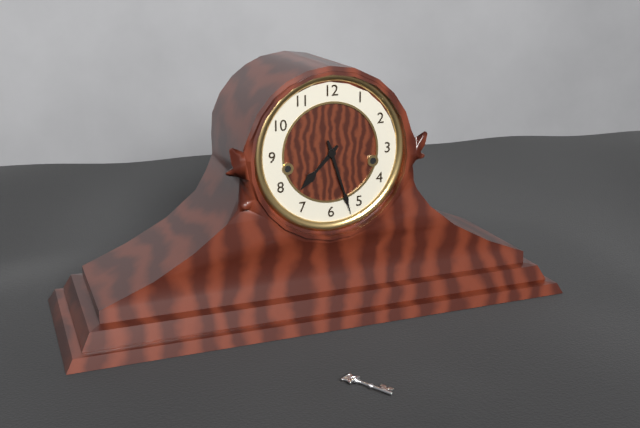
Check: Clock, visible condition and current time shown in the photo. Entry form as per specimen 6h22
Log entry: 7h27
